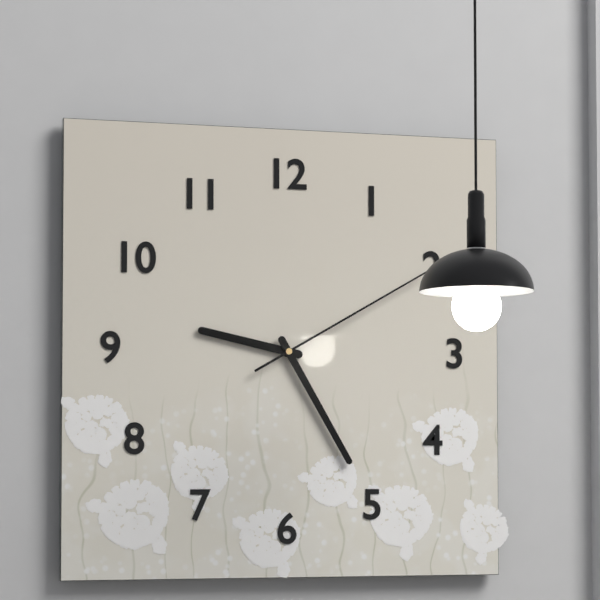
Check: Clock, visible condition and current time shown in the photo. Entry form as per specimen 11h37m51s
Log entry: 9h25m10s
